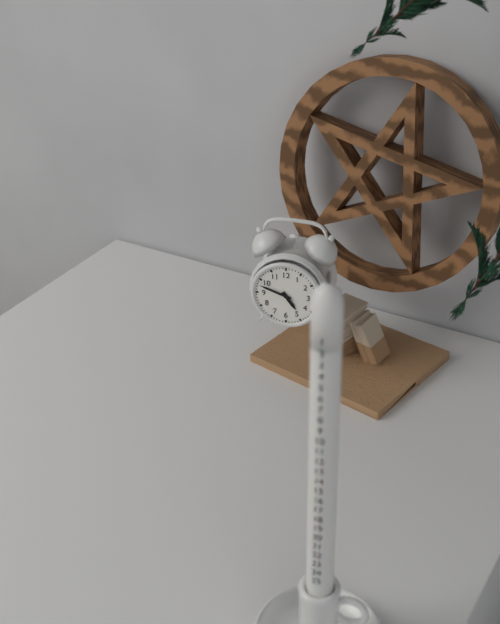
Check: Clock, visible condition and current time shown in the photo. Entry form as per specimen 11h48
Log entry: 4h48
